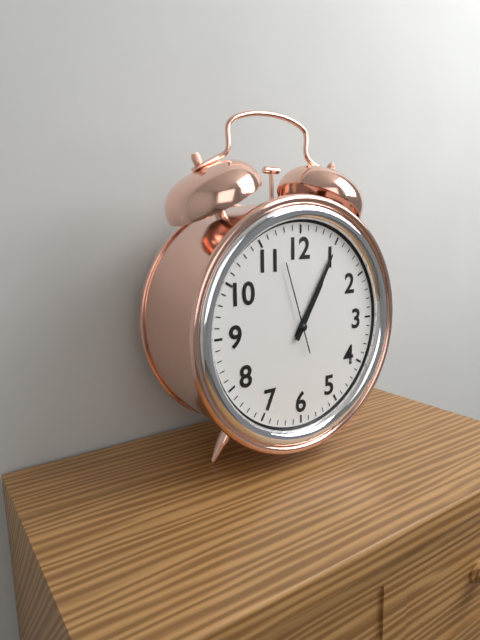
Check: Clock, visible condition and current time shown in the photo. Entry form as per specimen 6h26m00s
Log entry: 1h05m57s
